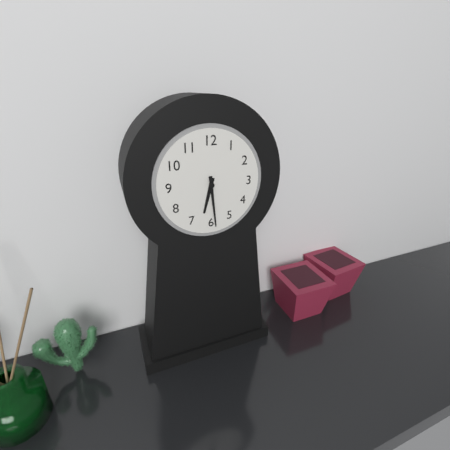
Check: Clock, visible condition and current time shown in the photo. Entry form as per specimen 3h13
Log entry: 6h29
